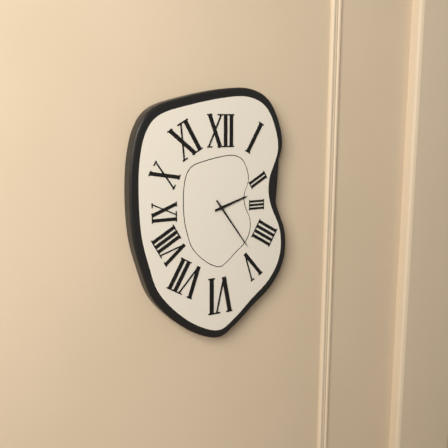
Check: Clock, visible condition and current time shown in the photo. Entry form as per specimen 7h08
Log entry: 2h24
